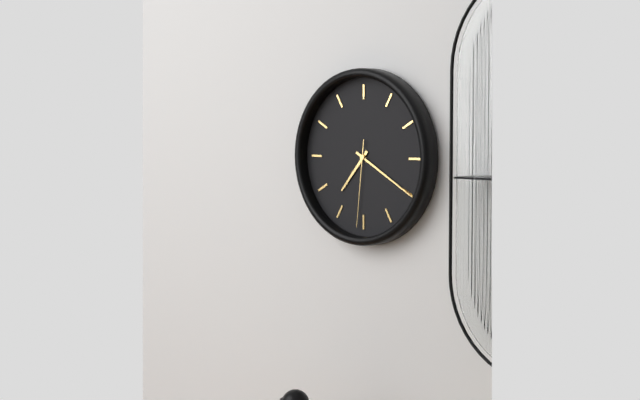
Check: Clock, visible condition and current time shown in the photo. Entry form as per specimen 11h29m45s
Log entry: 7h20m31s
